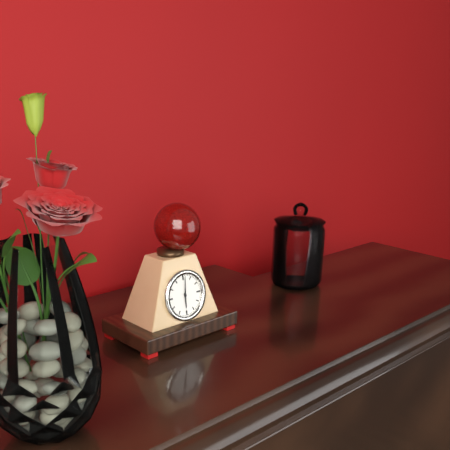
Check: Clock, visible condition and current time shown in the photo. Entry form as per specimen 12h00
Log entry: 6h01
